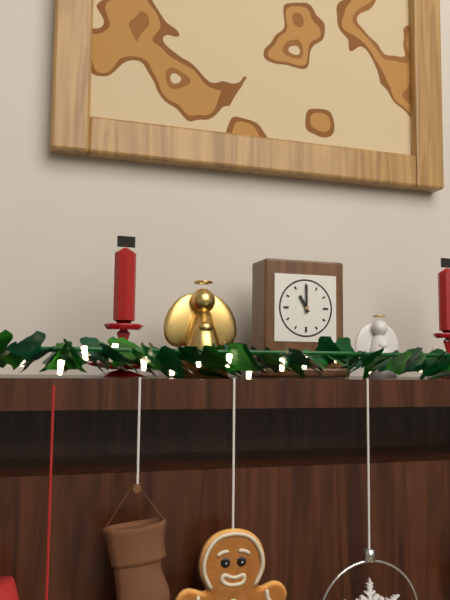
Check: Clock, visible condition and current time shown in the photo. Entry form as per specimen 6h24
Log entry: 11h00
